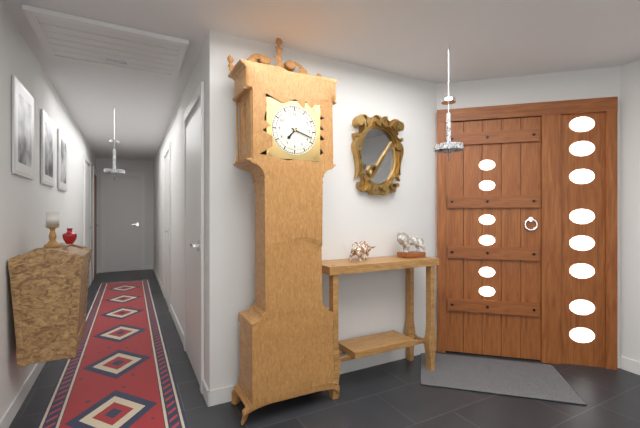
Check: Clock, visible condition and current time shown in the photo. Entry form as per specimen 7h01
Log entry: 7h18
